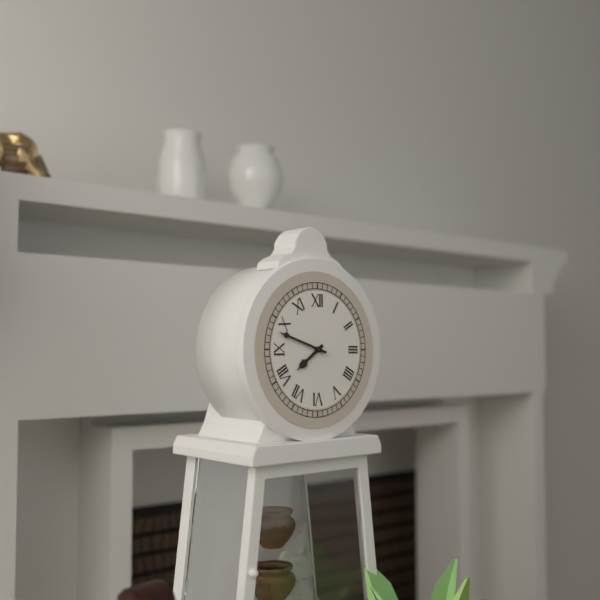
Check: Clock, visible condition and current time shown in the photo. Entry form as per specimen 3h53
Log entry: 7h48
